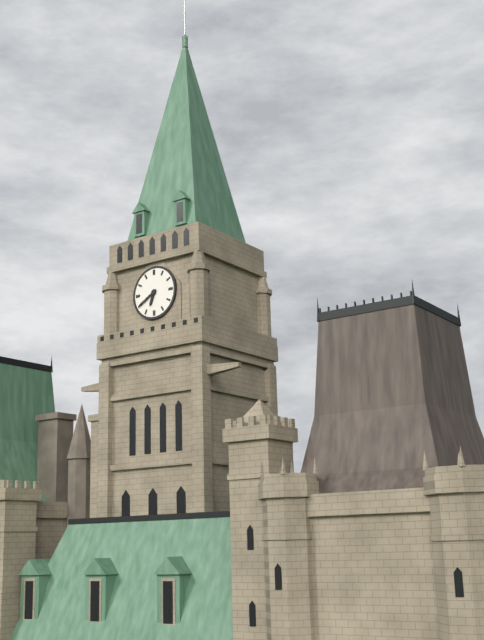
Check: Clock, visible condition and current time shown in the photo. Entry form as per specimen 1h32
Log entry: 6h40
